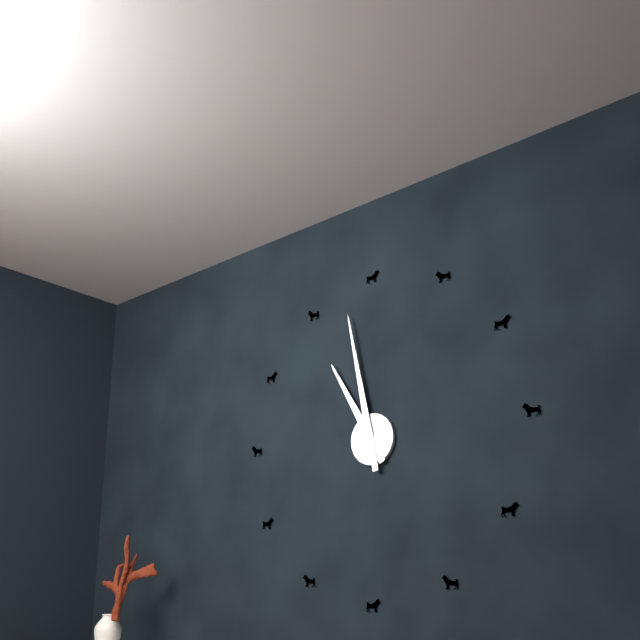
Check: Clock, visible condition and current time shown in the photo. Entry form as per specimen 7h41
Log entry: 10h58
